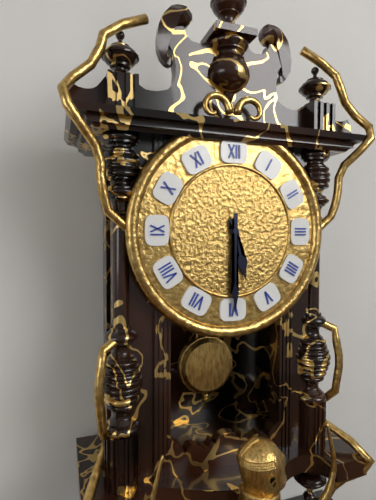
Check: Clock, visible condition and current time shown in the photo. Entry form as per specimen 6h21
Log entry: 5h30
